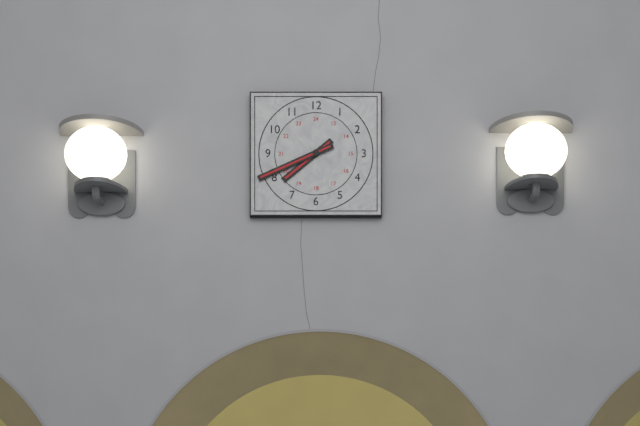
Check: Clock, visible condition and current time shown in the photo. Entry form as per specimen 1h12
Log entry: 7h41
